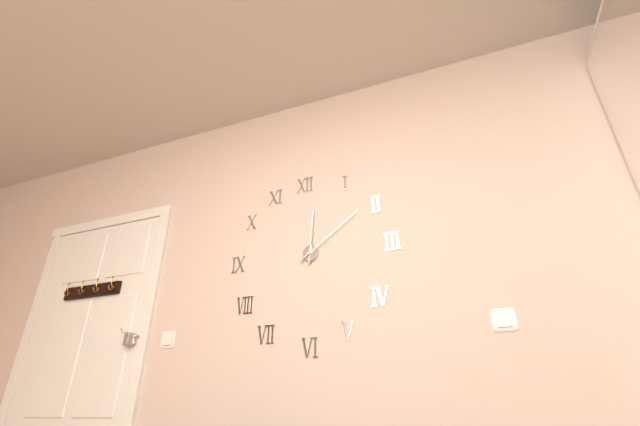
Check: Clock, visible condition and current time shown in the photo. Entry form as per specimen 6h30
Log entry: 12h09
